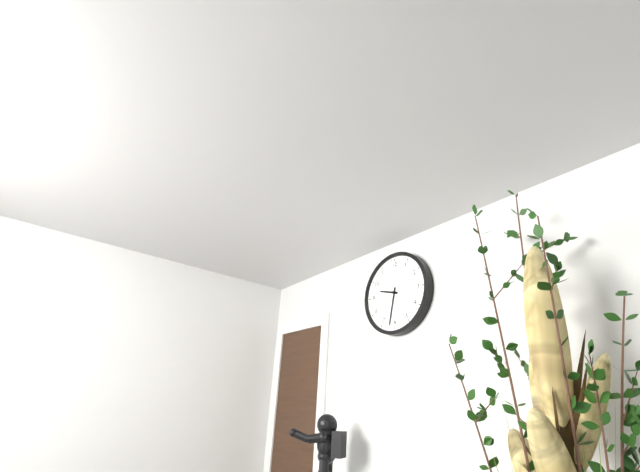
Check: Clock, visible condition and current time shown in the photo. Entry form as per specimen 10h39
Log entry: 9h32
